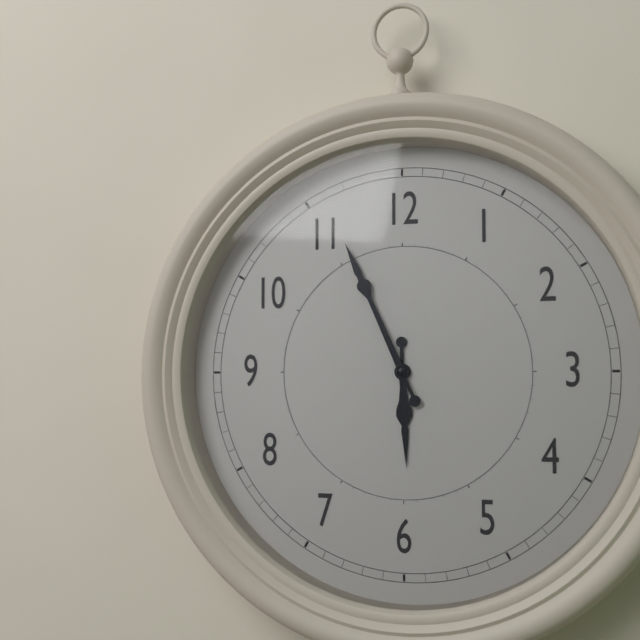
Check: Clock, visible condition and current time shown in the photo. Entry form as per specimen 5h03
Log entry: 5h56
